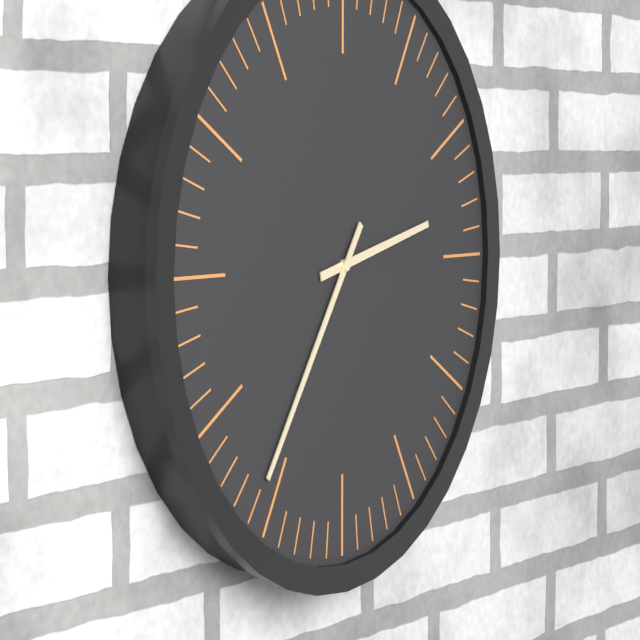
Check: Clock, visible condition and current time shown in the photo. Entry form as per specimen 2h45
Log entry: 2h36
